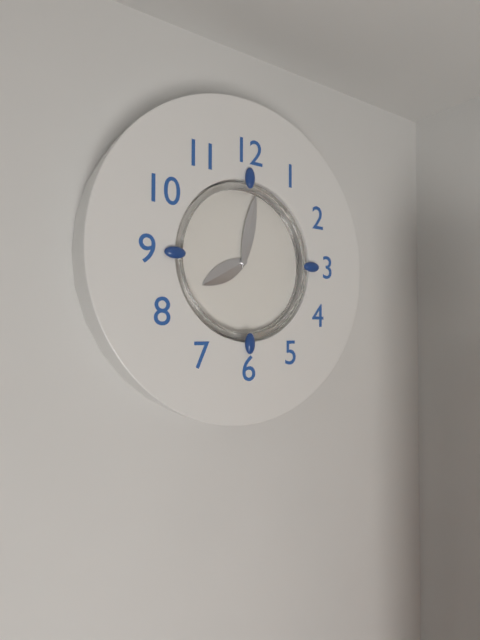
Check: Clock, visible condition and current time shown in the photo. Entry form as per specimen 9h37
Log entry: 8h02
